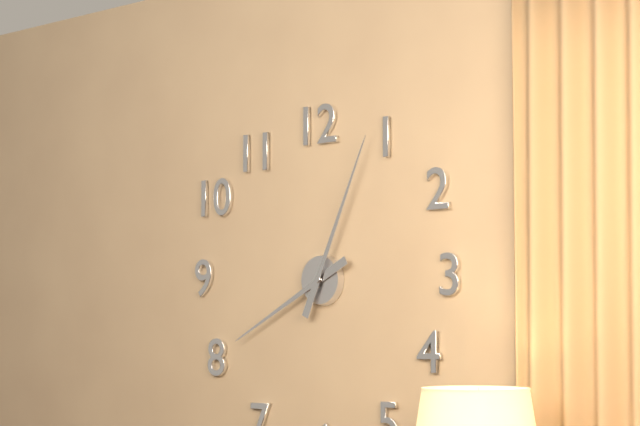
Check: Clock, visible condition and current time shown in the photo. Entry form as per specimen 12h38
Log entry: 8h04
